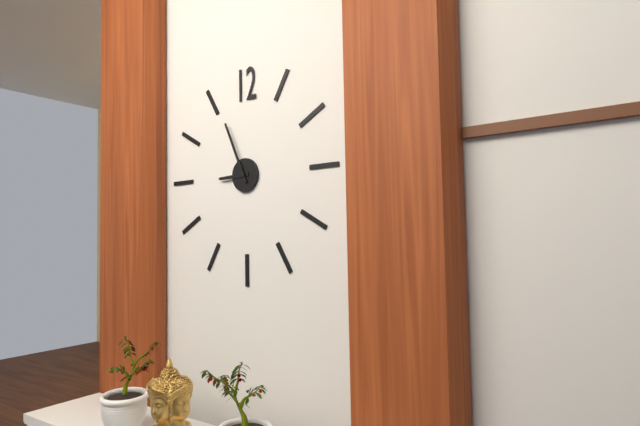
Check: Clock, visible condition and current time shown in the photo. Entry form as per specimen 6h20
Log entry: 8h56
